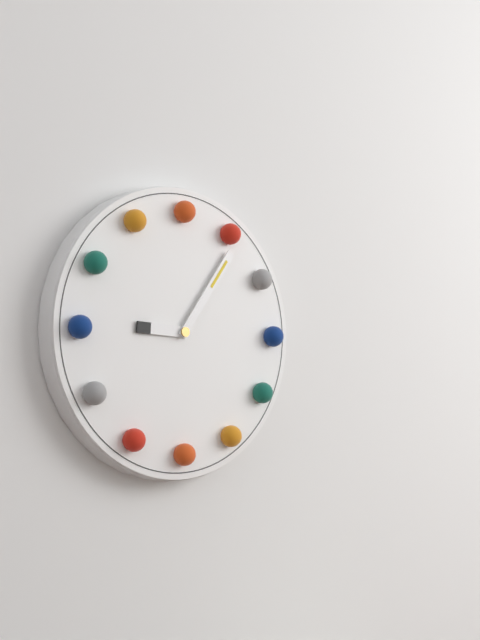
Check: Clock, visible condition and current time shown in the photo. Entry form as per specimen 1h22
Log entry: 9h06
